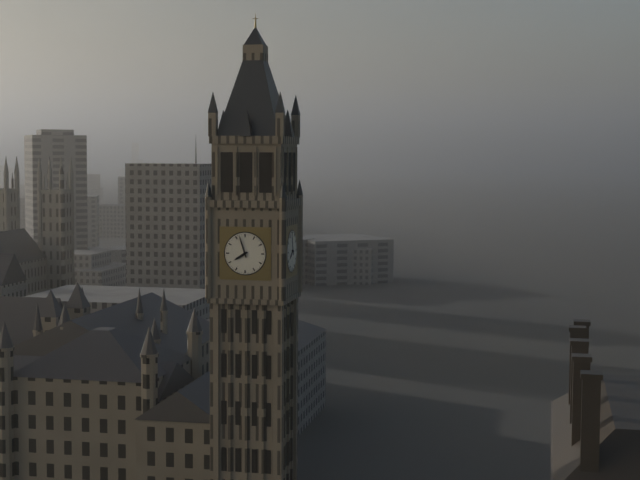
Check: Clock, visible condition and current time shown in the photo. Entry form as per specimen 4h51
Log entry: 7h57
